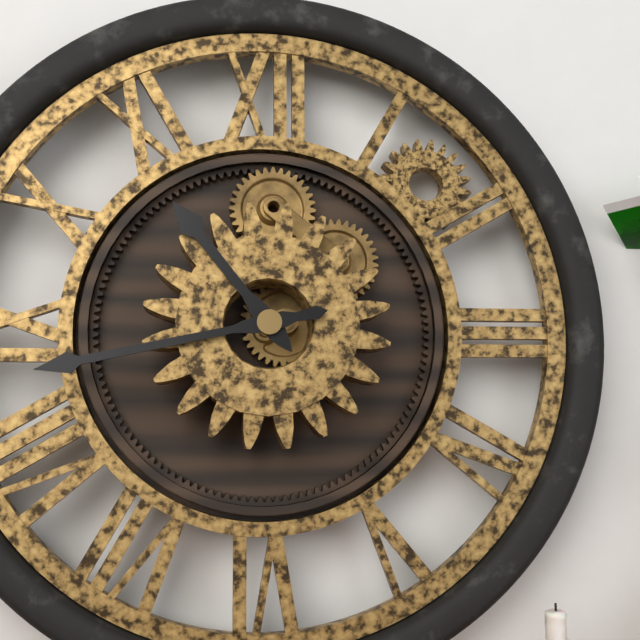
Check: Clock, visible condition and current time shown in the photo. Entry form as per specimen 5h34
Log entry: 10h43
